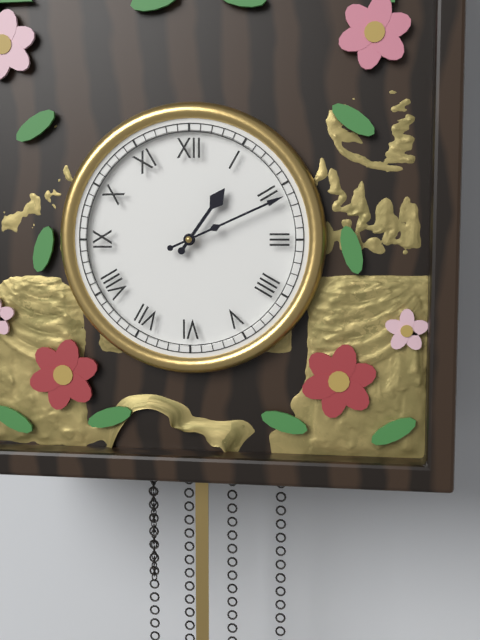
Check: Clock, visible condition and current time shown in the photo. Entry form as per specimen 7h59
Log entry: 1h11
